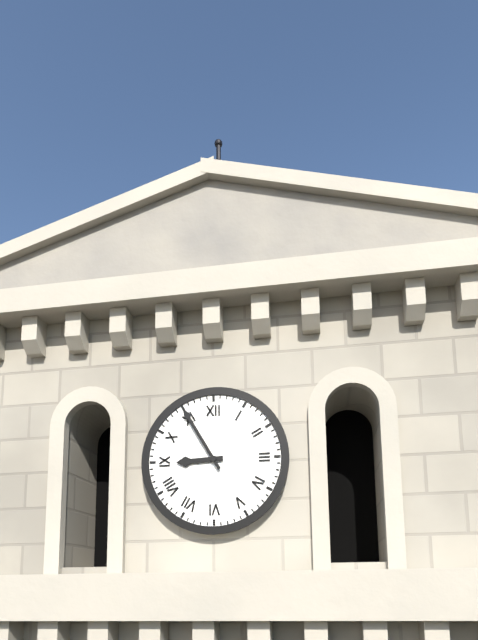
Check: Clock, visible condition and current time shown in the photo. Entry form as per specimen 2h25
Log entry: 8h55
